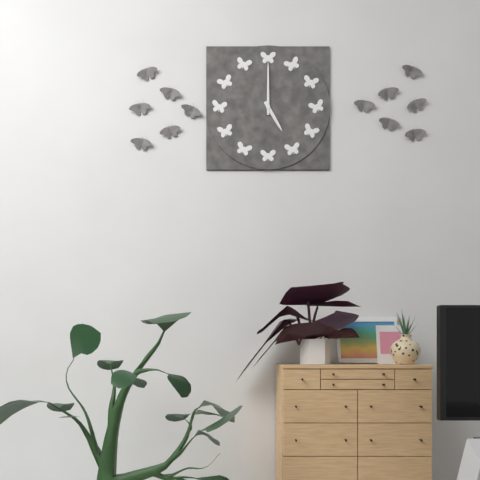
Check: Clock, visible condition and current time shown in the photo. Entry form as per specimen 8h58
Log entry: 5h00
